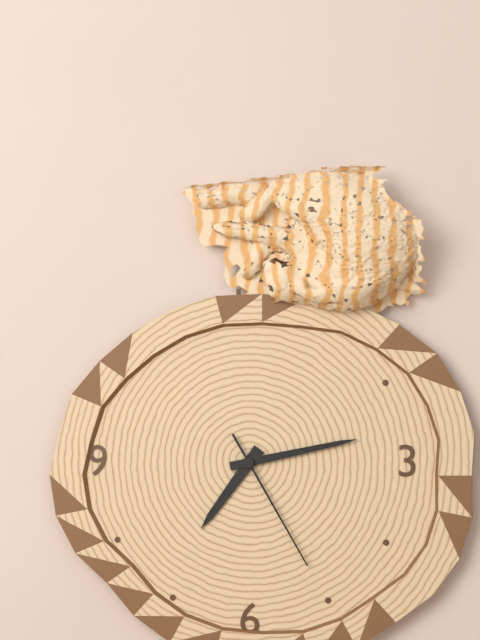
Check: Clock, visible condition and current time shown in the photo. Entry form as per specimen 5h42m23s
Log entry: 7h13m25s
